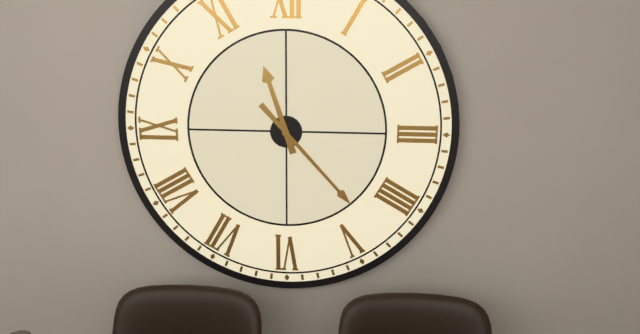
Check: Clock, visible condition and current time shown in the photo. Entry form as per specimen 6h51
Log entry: 11h23
